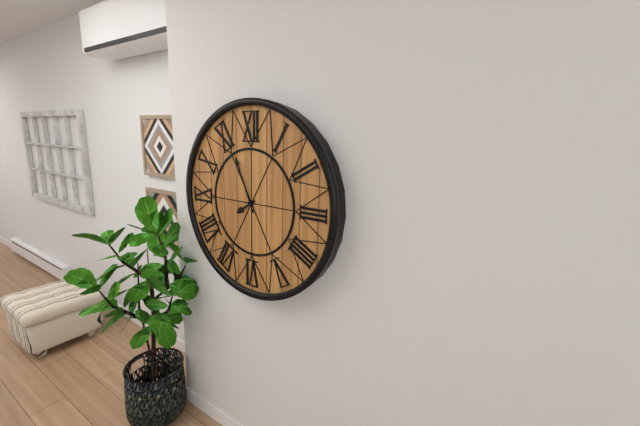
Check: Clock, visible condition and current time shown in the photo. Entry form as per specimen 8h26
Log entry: 7h56
